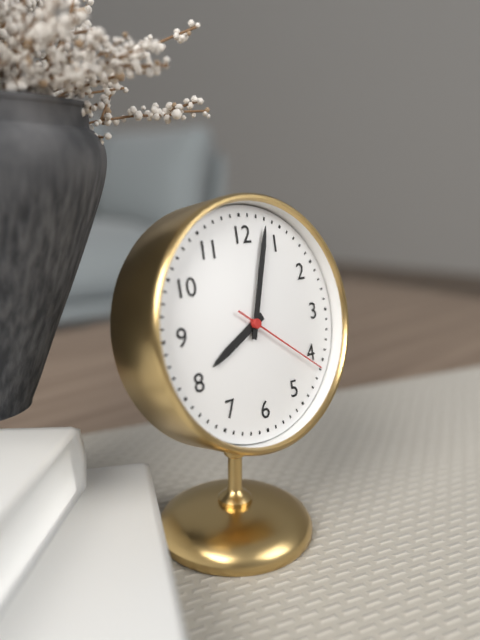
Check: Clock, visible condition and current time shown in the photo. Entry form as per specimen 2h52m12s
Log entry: 8h03m21s
